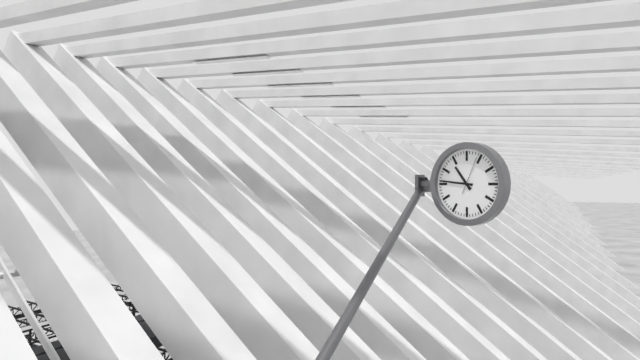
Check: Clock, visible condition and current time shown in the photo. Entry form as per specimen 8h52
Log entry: 10h46
